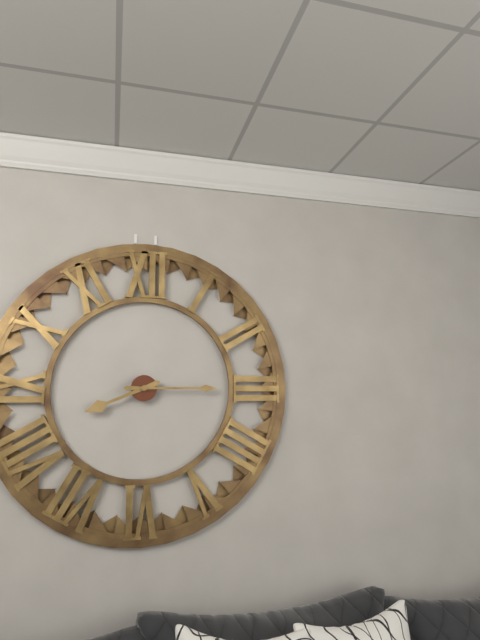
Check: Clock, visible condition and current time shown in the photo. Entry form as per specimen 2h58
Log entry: 8h15
